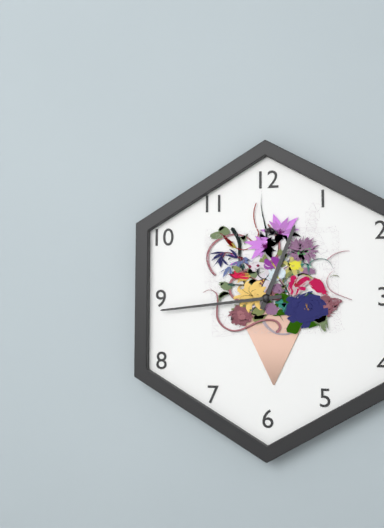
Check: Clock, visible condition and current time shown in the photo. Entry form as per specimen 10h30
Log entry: 12h44
